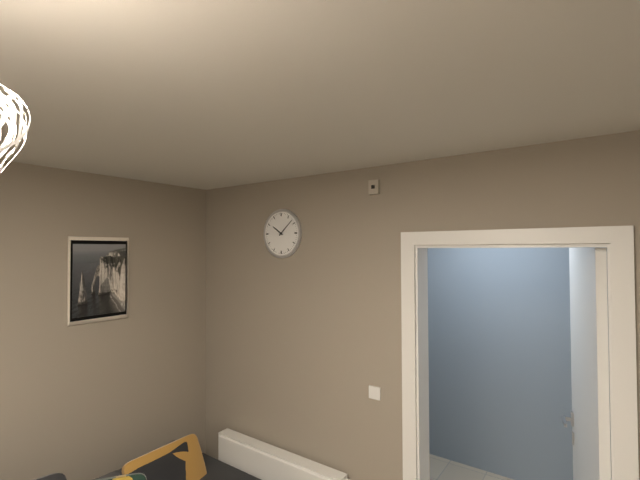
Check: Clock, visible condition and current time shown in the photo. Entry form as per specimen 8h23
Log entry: 10h08
